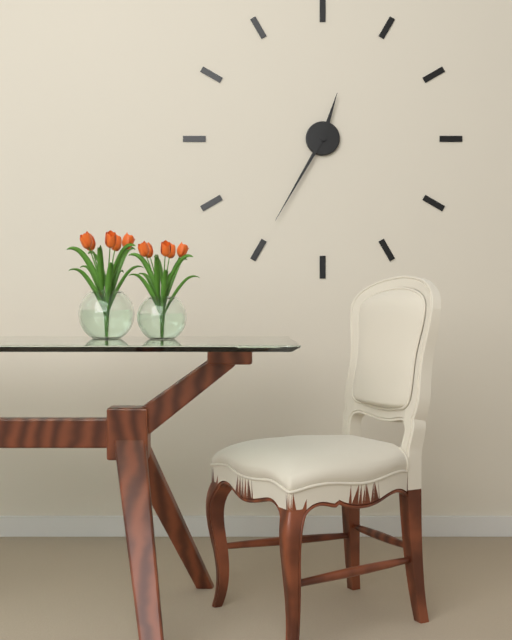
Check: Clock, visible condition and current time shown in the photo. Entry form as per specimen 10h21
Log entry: 12h35
